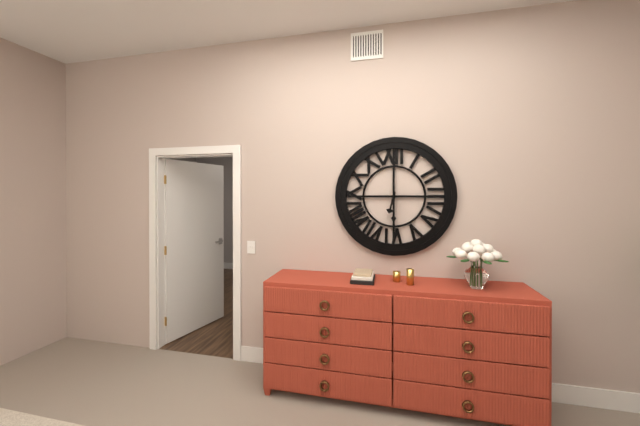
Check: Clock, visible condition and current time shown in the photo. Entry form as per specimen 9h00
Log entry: 6h30
